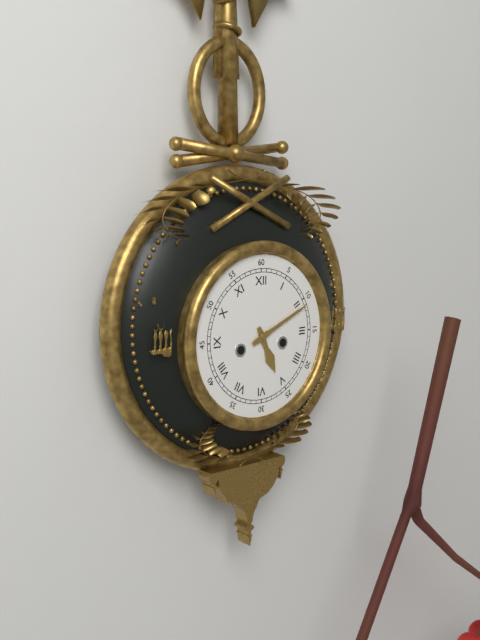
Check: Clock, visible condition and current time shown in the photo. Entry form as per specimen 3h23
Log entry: 5h11
